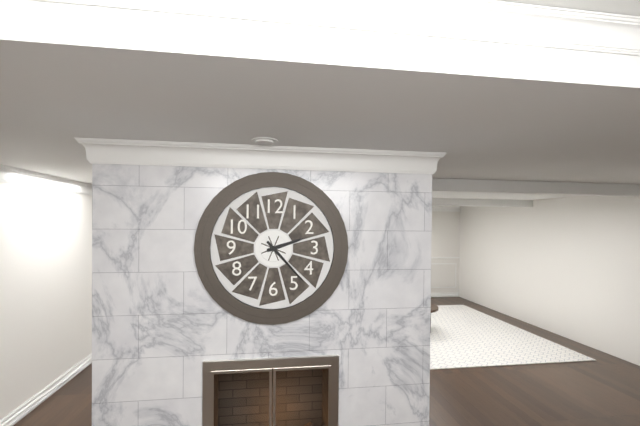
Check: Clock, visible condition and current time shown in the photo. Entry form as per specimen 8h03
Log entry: 2h23
